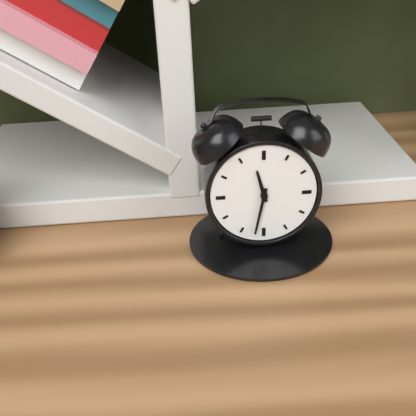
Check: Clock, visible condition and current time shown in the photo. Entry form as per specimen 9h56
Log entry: 11h32
